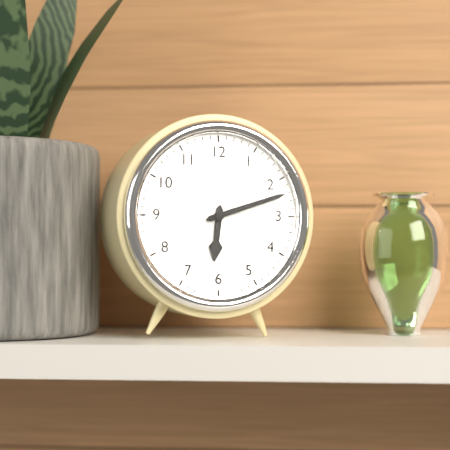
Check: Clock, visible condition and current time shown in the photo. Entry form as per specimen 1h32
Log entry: 6h12
